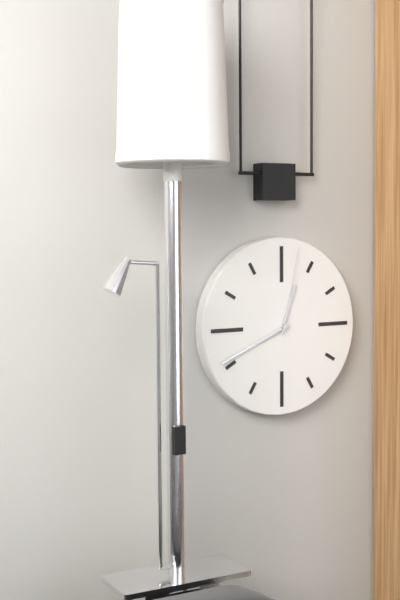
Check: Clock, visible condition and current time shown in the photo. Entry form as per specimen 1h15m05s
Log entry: 12h41m02s
